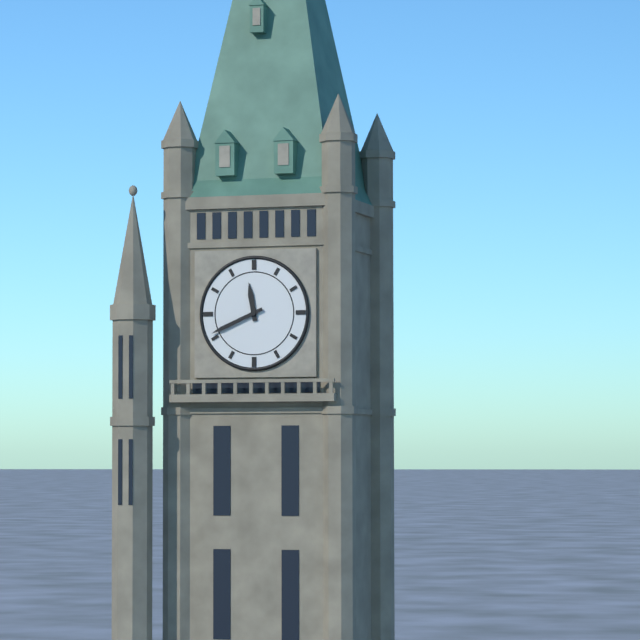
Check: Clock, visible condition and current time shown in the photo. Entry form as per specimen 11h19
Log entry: 11h41
